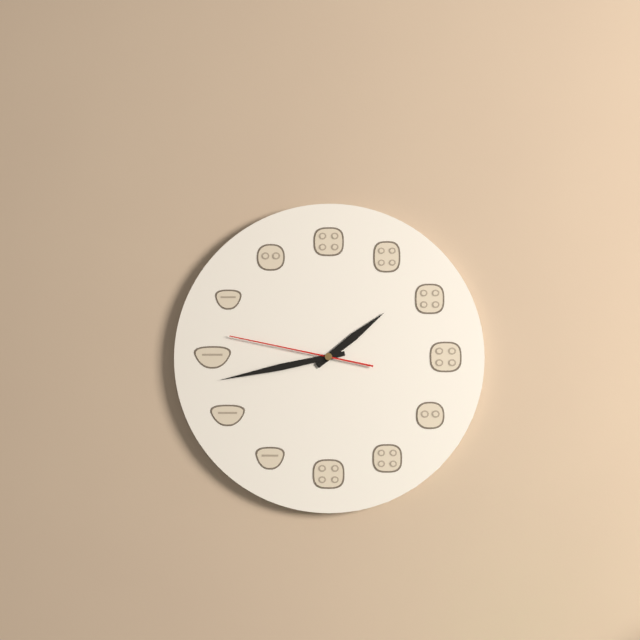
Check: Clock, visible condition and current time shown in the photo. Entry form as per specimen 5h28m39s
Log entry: 1h43m47s
